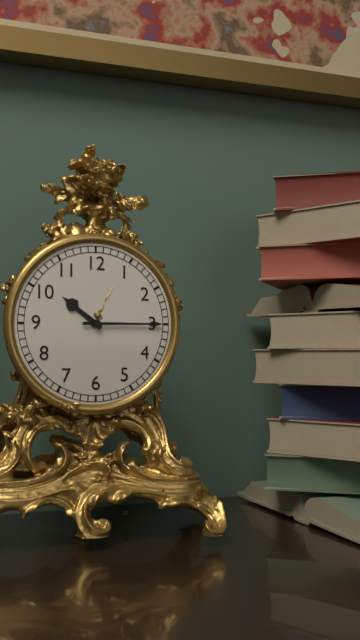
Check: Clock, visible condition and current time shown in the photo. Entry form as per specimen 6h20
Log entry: 10h15
